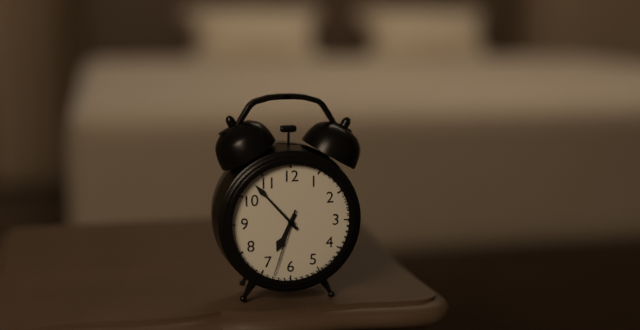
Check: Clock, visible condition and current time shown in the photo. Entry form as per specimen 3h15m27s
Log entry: 6h53m33s
